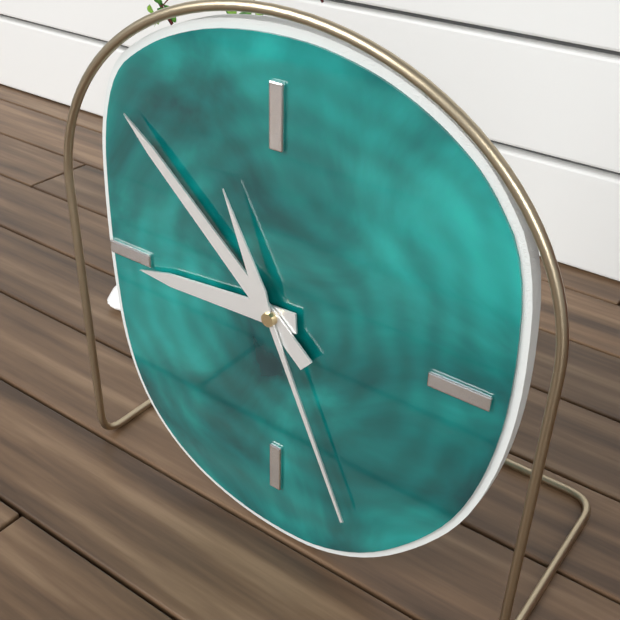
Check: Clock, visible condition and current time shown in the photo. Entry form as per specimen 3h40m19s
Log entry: 8h52m26s
